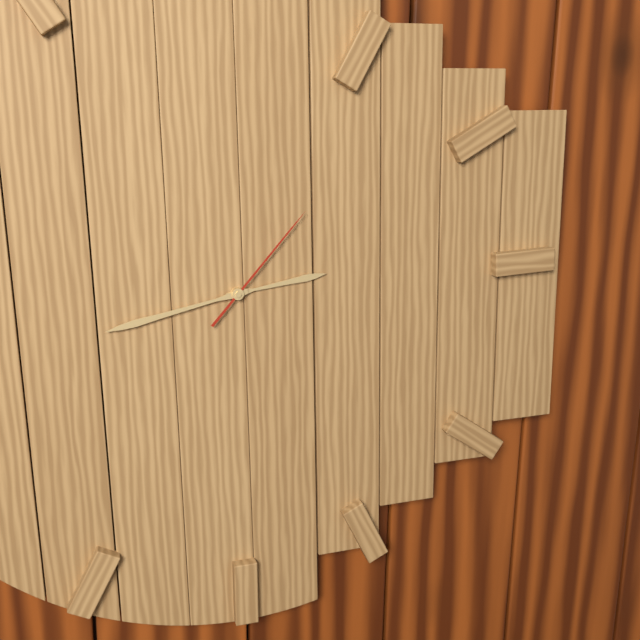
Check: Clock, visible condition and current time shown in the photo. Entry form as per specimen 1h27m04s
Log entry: 2h43m07s
